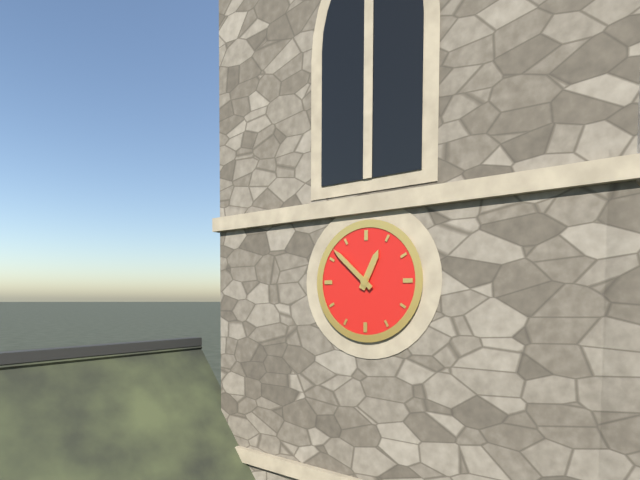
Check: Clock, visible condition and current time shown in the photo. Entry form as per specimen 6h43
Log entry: 12h52
